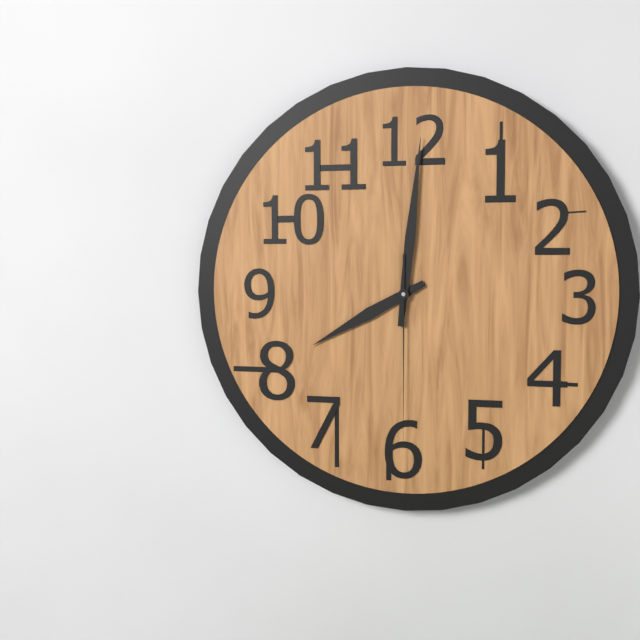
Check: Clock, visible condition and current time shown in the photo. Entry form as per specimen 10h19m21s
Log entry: 8h01m30s
